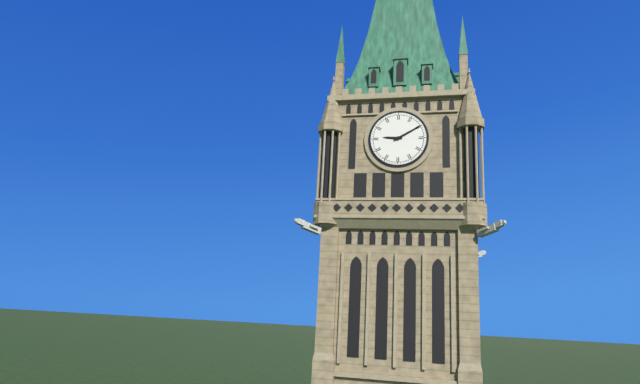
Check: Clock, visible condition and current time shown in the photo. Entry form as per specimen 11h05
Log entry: 9h10
